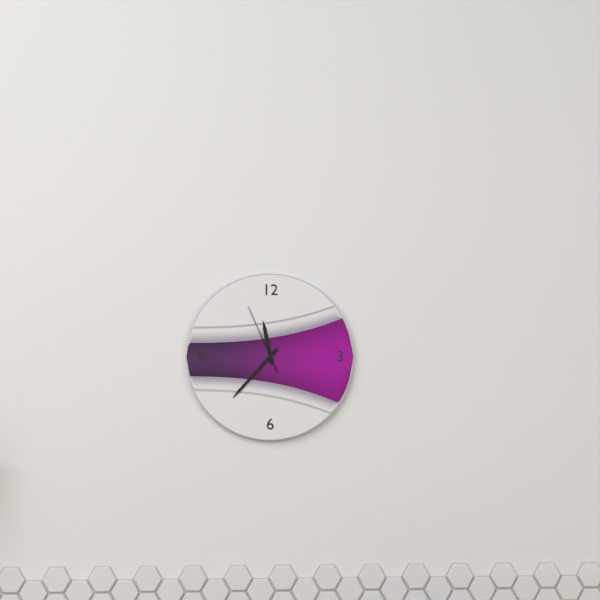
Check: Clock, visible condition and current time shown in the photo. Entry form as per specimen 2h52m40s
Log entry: 11h37m56s
